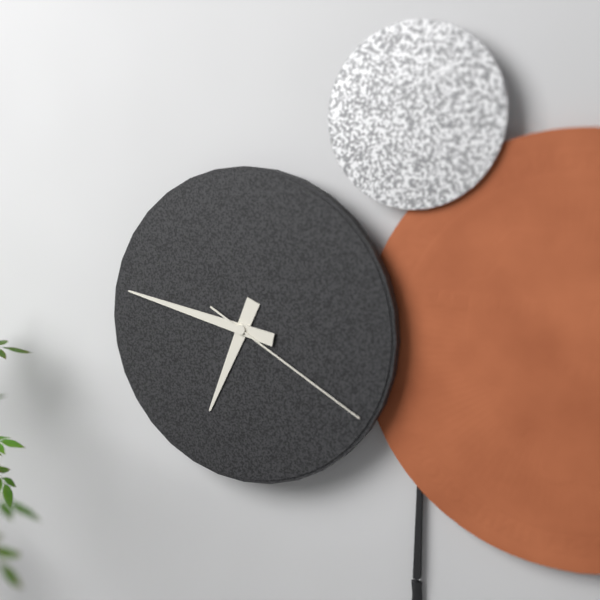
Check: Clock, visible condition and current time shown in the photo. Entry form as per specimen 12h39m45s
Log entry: 6h47m20s
